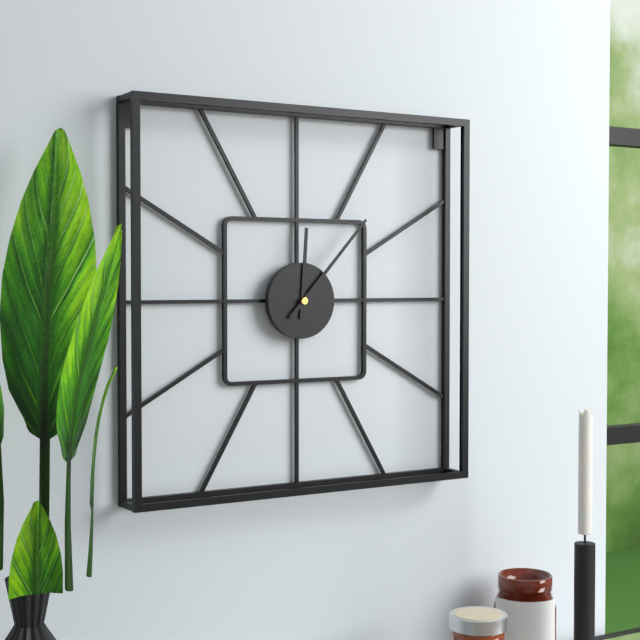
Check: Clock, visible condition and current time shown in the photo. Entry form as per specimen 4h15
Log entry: 12h07
